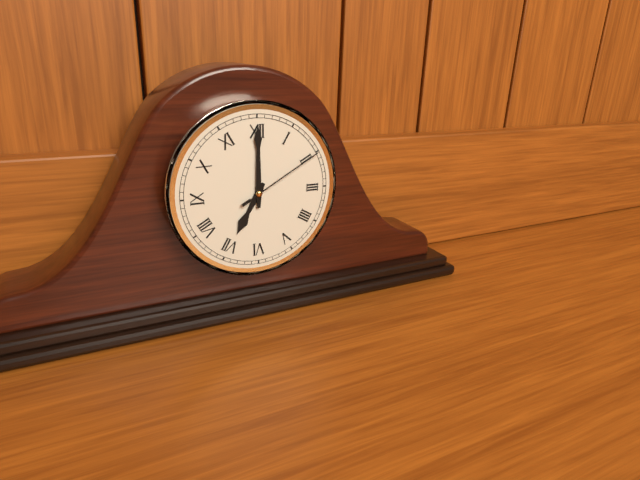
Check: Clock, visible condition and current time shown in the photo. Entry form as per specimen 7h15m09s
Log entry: 7h00m10s
